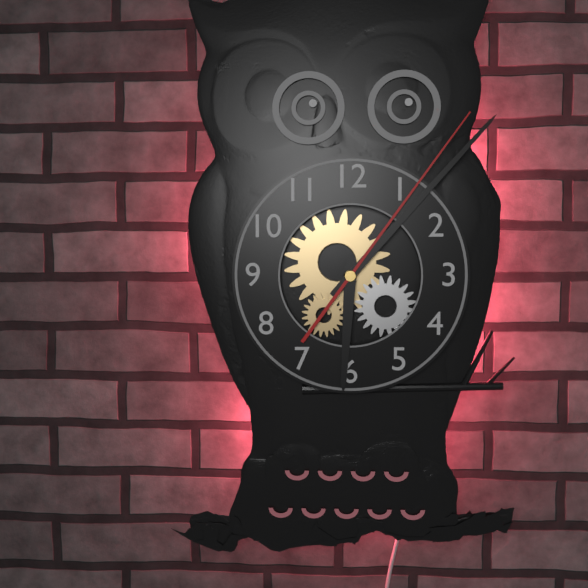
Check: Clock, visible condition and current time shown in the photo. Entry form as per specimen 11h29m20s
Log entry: 6h07m06s
